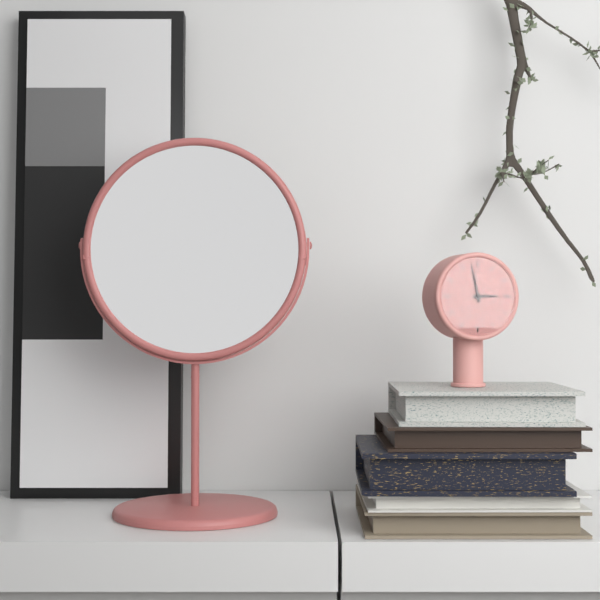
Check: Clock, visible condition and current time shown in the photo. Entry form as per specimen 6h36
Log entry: 2h58
